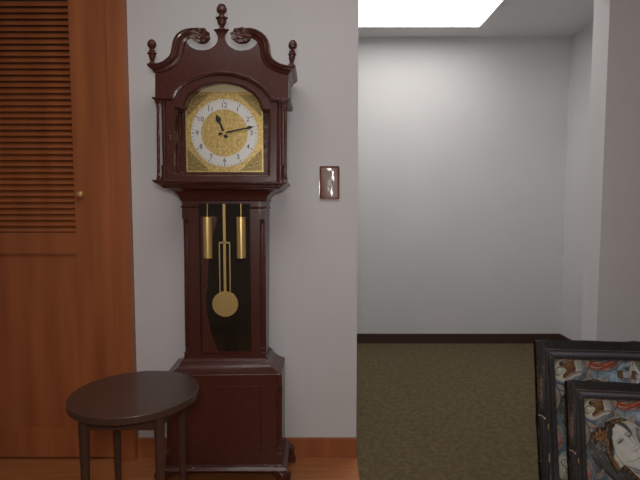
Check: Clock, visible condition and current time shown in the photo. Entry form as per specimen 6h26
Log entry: 11h13
